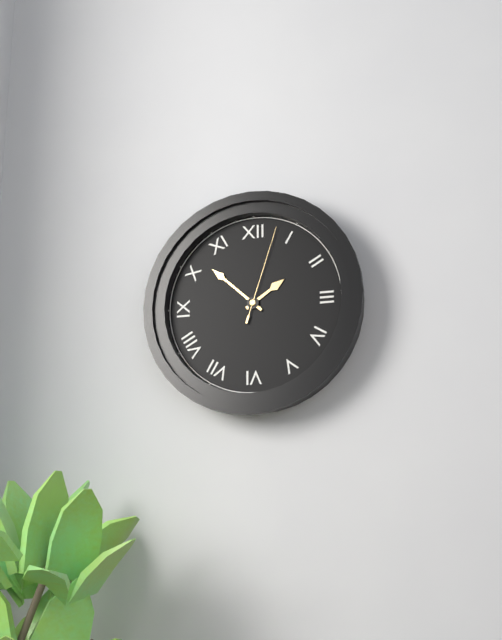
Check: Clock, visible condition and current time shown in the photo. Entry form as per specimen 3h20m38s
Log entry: 1h52m03s
